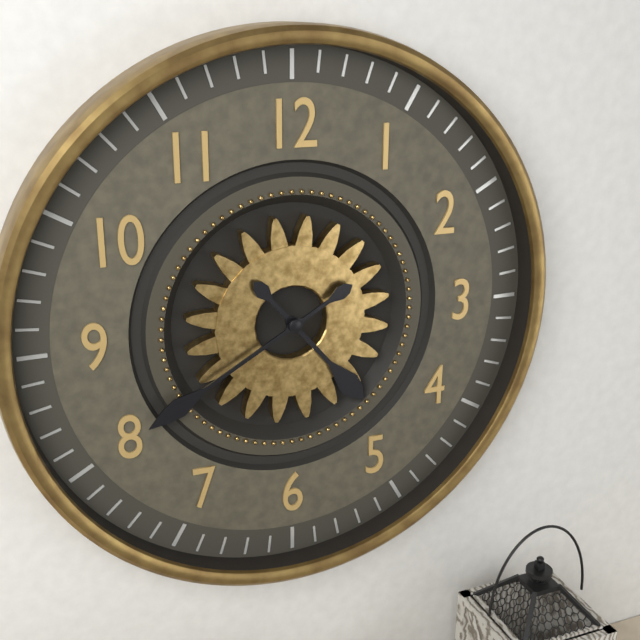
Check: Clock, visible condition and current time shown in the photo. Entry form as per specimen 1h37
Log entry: 4h40
